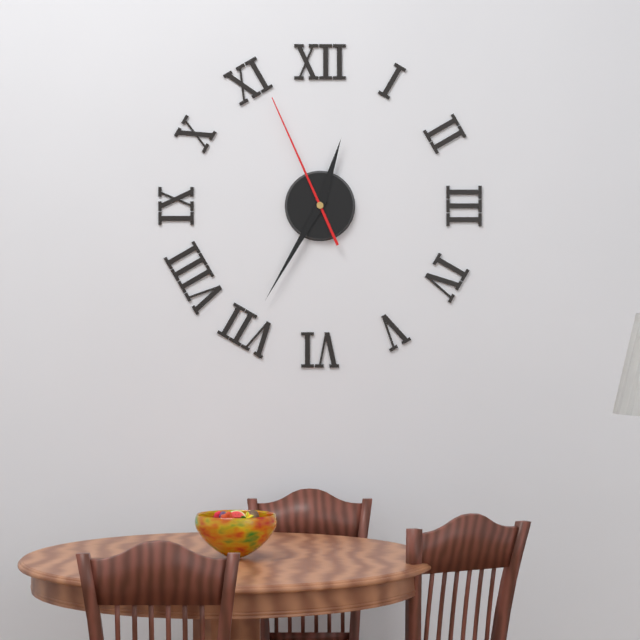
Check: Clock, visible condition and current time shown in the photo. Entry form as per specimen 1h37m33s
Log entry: 12h35m56s
